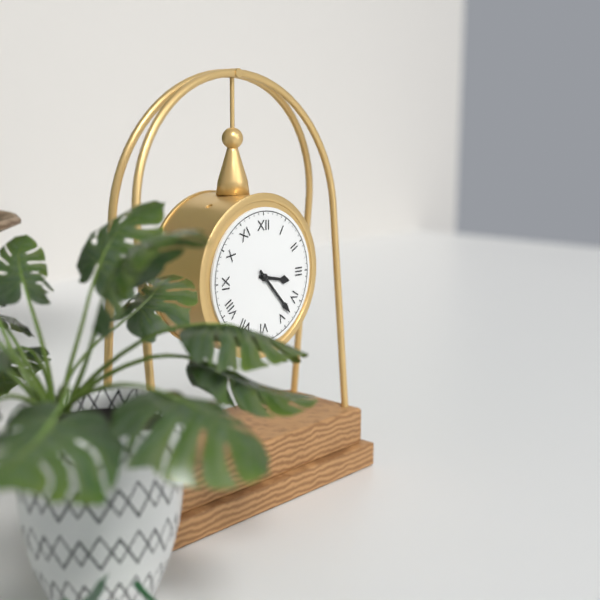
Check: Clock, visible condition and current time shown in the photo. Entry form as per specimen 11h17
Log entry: 3h23
